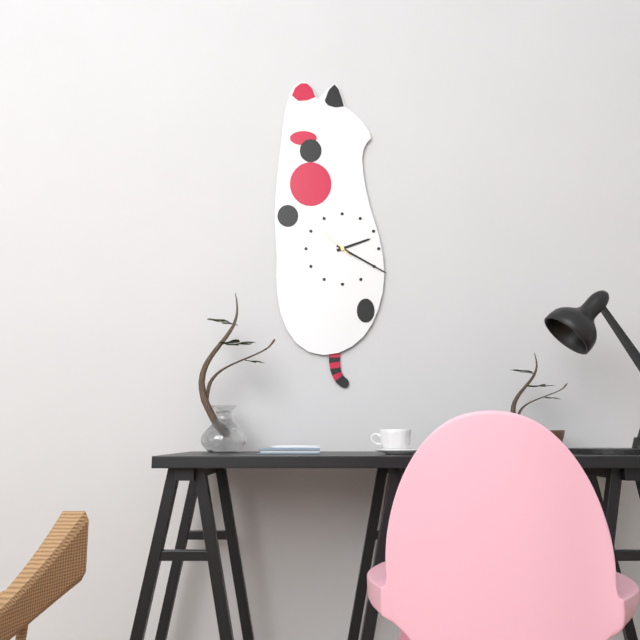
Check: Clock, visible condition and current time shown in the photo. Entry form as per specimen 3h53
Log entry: 2h20
